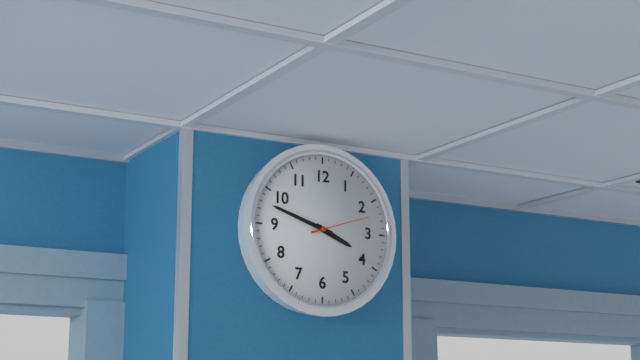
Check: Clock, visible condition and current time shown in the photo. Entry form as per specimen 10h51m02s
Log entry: 3h48m12s
